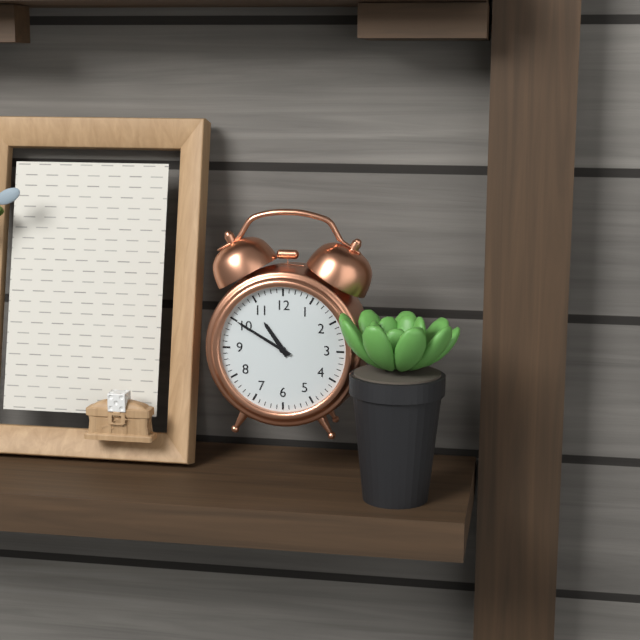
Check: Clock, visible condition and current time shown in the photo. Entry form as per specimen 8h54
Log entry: 10h50
